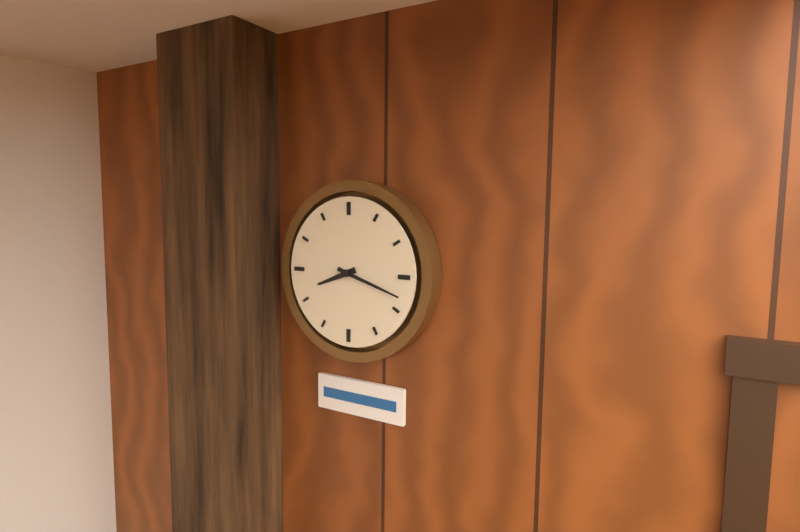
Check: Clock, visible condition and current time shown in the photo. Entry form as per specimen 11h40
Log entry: 8h18
